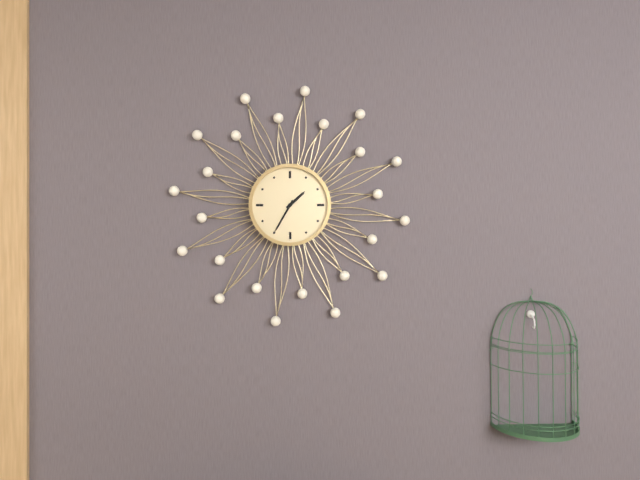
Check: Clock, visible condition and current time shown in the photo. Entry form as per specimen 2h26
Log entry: 1h35
